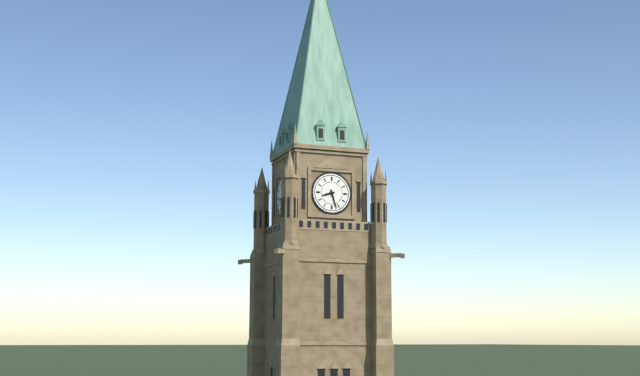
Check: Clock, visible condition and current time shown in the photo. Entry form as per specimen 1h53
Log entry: 8h27
